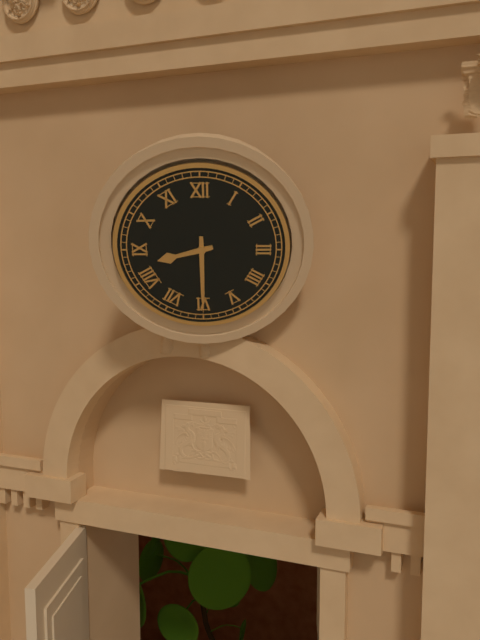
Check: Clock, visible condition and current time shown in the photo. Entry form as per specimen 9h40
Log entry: 8h30
